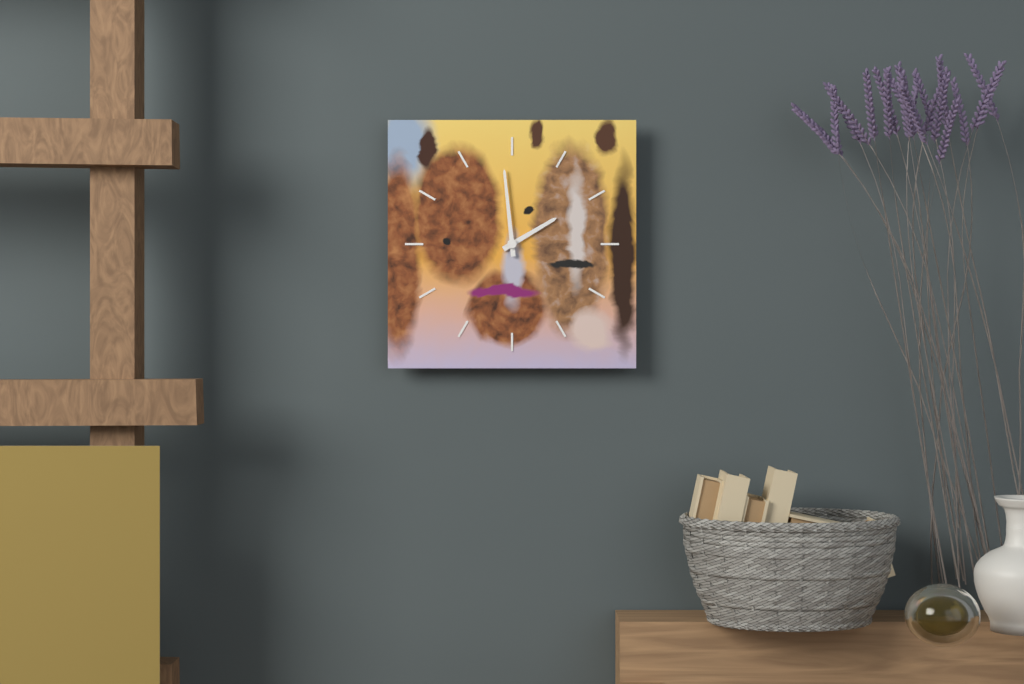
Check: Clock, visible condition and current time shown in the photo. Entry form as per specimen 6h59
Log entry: 1h59
